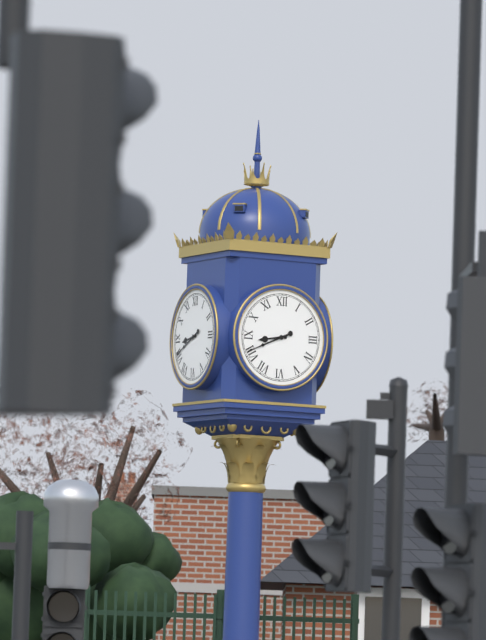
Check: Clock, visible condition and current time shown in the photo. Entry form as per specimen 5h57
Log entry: 8h41
